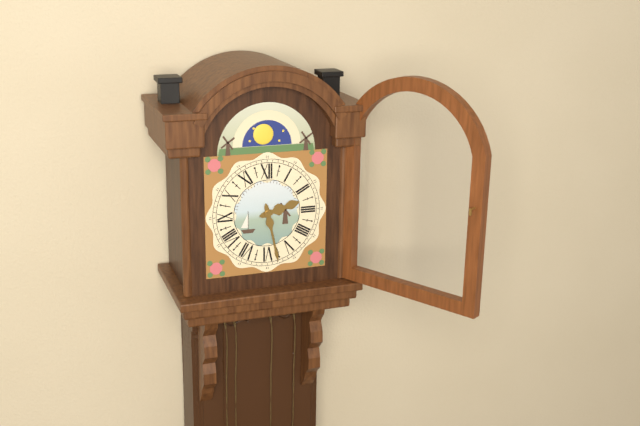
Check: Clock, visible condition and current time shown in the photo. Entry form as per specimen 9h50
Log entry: 2h28
